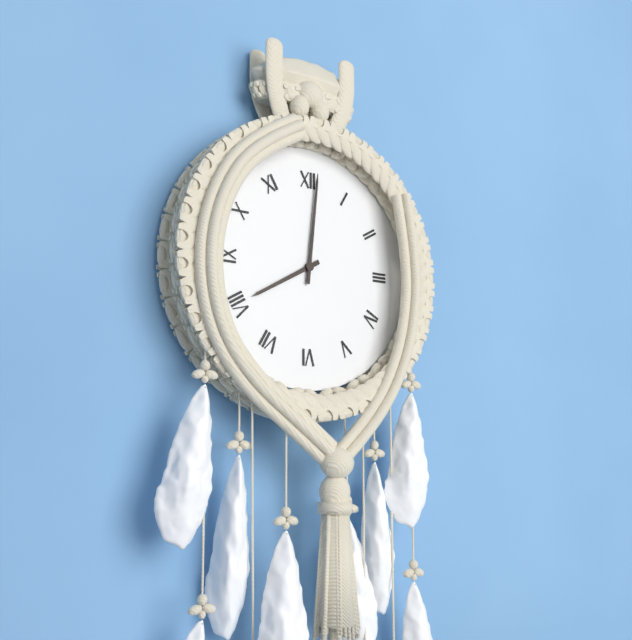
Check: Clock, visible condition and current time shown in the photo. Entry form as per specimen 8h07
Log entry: 8h01
